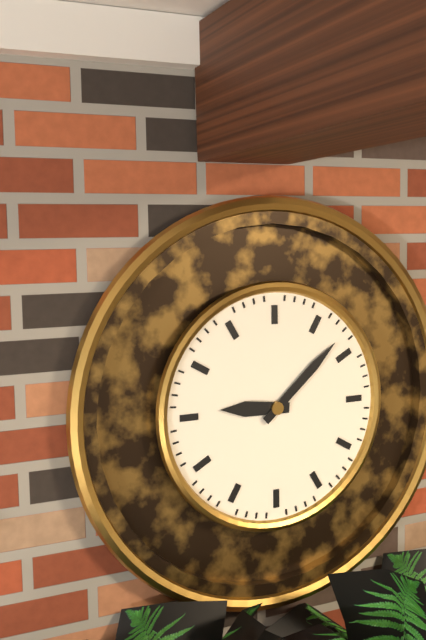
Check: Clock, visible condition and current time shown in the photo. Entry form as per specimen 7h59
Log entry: 9h08
